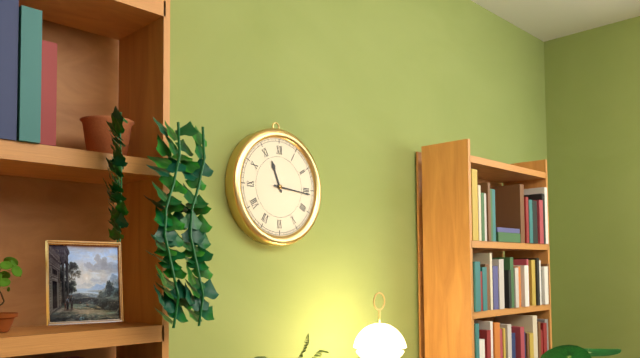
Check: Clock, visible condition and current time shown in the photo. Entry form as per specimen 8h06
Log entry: 11h16
